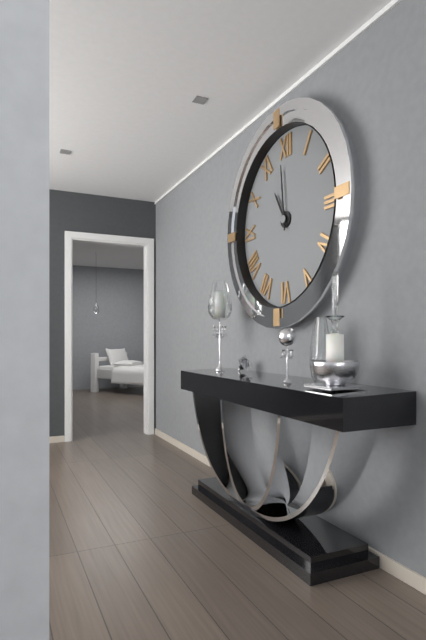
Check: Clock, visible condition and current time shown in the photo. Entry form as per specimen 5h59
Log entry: 10h59
